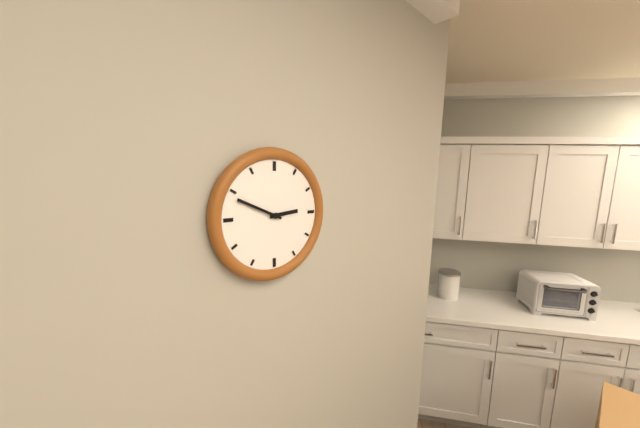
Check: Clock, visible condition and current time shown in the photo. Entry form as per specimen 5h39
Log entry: 2h49
